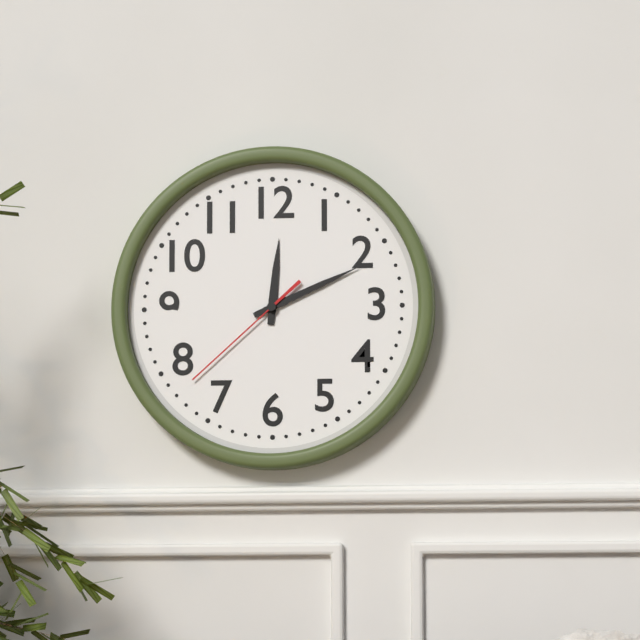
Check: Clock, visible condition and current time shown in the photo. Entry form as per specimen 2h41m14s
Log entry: 12h11m38s
